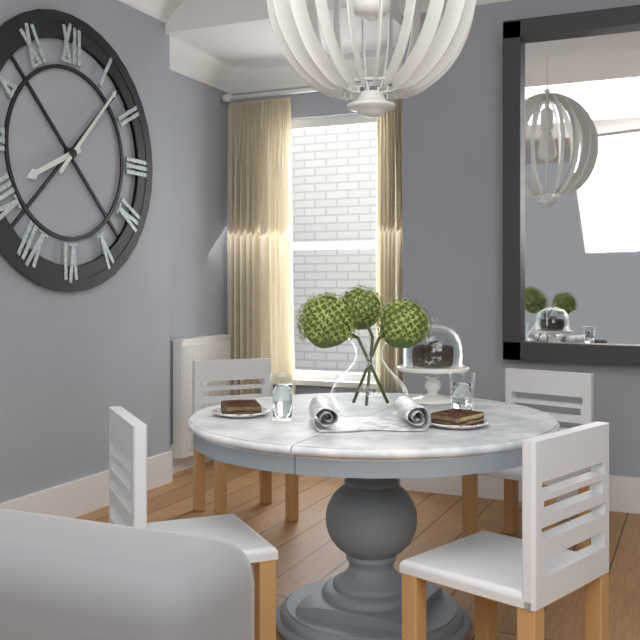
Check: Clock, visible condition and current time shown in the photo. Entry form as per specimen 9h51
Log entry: 8h07
